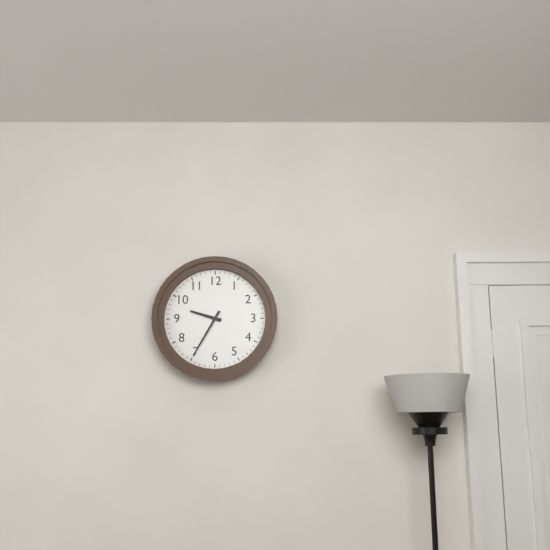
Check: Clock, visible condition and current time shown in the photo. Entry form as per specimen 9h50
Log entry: 9h35
